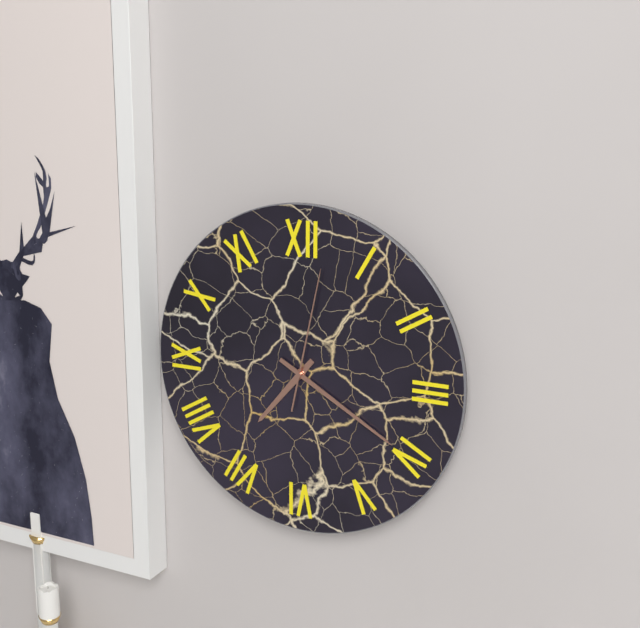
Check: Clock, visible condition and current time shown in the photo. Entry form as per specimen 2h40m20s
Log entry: 7h20m02s
